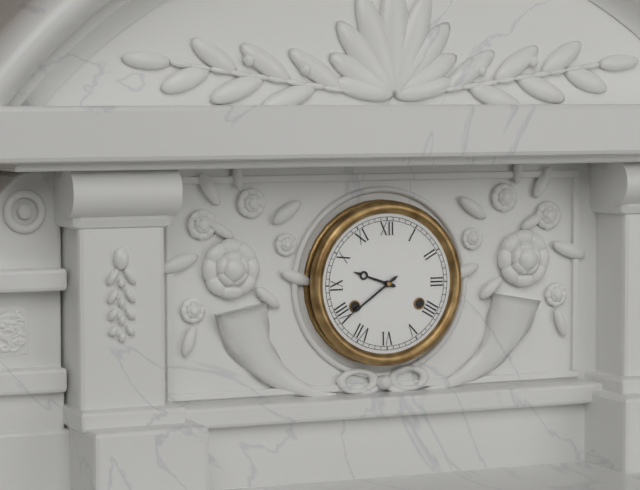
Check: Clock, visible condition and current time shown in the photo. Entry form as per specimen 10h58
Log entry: 9h39
